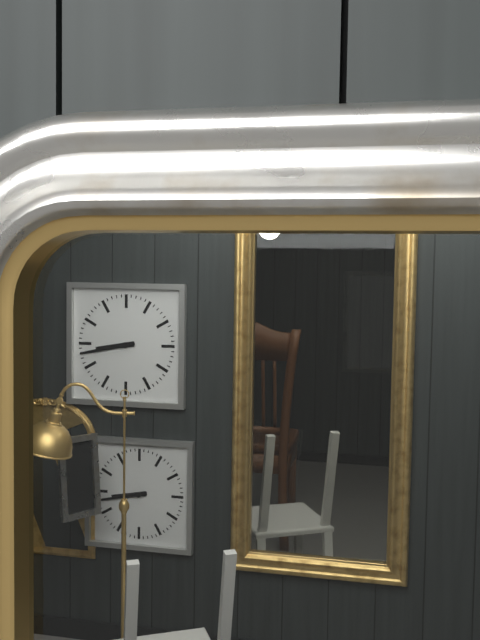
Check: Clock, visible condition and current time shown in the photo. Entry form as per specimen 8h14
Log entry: 8h43
